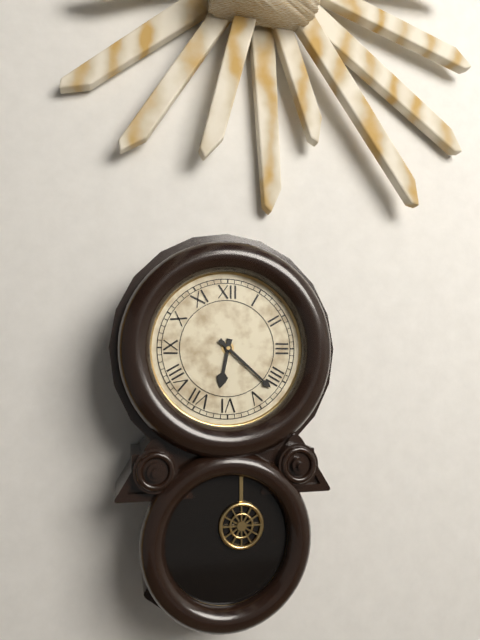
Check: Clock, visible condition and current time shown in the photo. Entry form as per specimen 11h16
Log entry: 6h22
